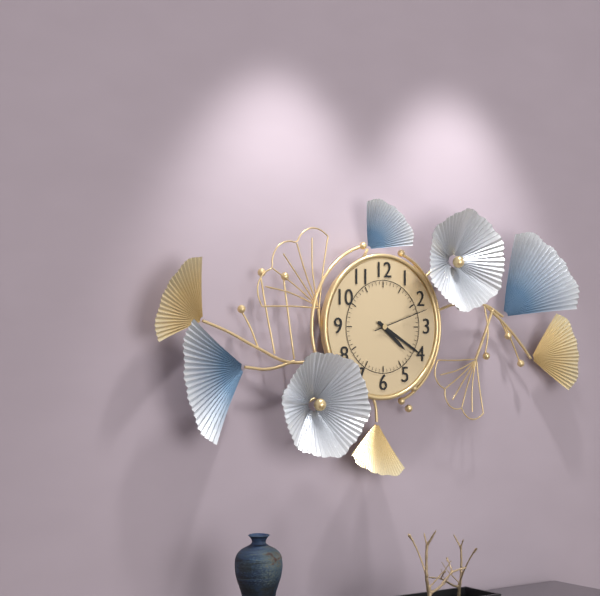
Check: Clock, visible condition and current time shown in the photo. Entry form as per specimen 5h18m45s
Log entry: 4h20m12s
